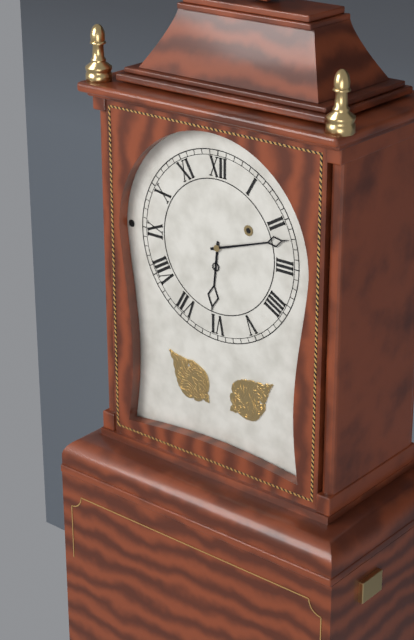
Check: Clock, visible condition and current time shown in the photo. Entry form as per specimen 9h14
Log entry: 6h12
